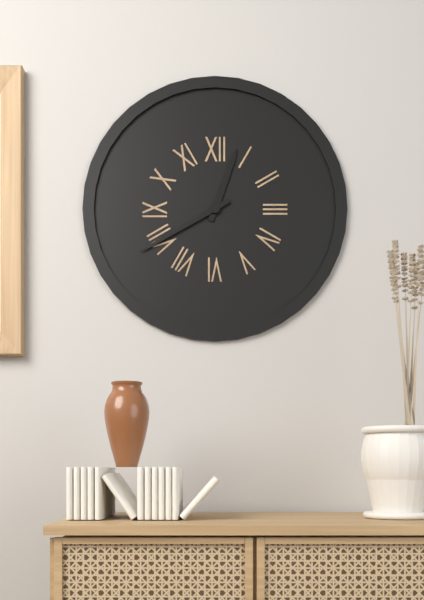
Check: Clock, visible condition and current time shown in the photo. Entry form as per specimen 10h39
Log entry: 12h40
